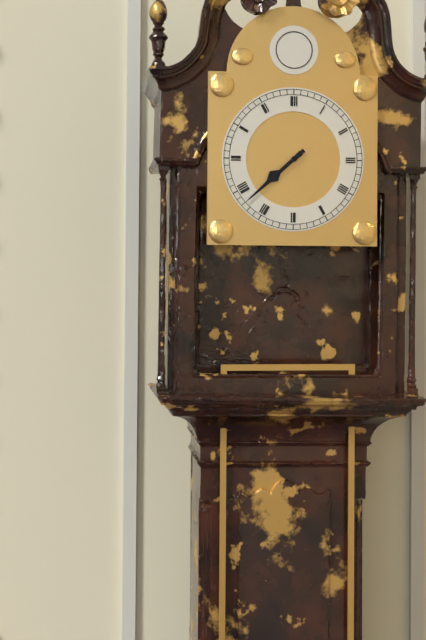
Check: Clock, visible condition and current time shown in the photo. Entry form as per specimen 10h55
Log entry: 7h38
